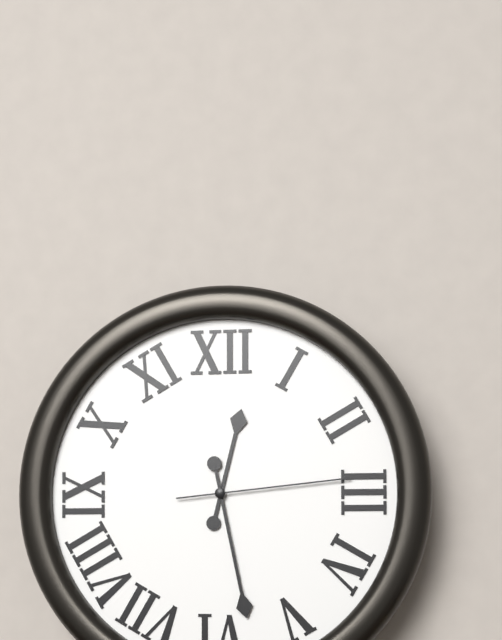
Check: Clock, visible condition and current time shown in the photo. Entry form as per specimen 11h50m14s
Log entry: 12h28m14s
